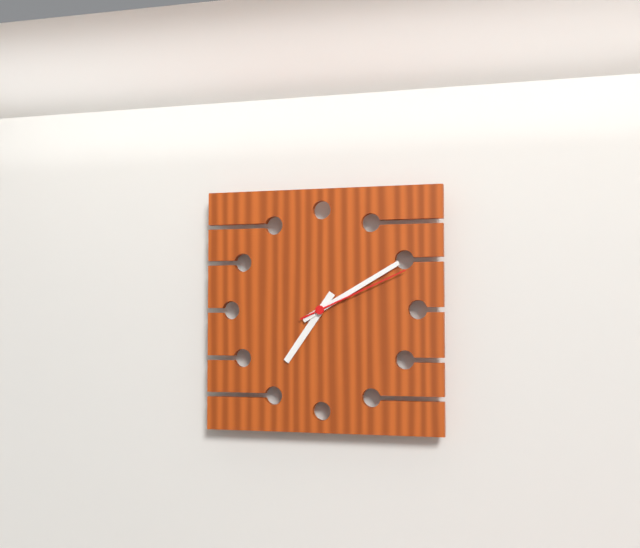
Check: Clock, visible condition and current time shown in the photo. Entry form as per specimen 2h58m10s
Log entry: 7h10m11s
